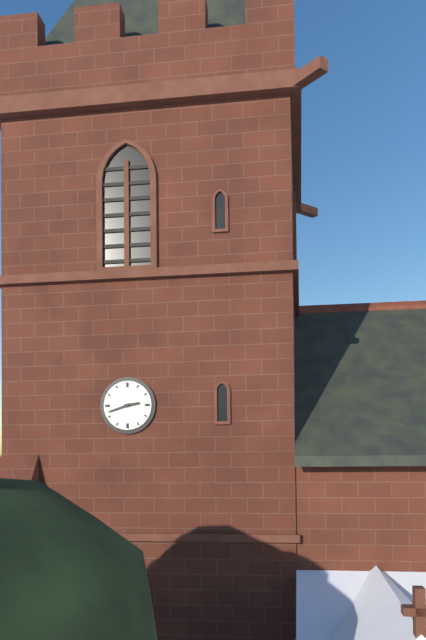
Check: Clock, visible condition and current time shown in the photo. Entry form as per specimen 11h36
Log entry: 2h42
